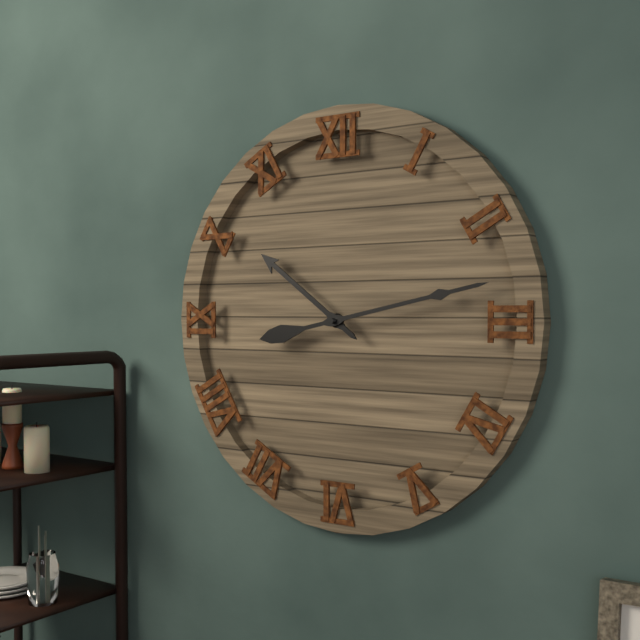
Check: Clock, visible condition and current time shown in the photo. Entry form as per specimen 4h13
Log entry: 10h13
